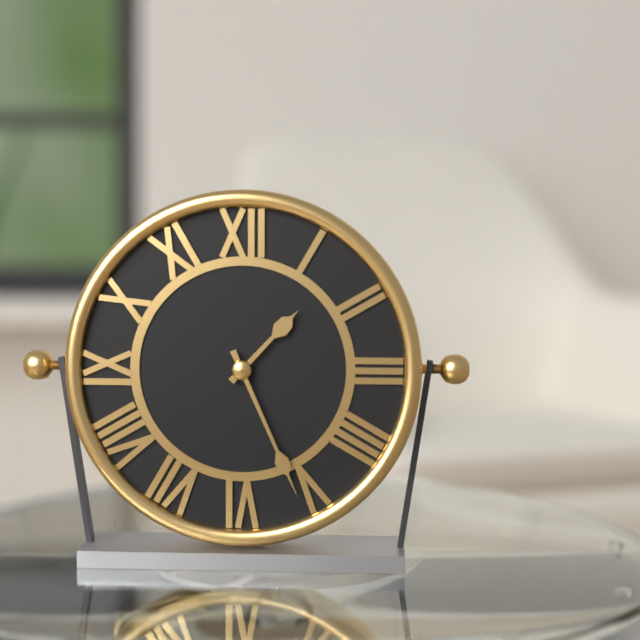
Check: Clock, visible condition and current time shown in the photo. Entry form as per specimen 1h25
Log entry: 1h26
